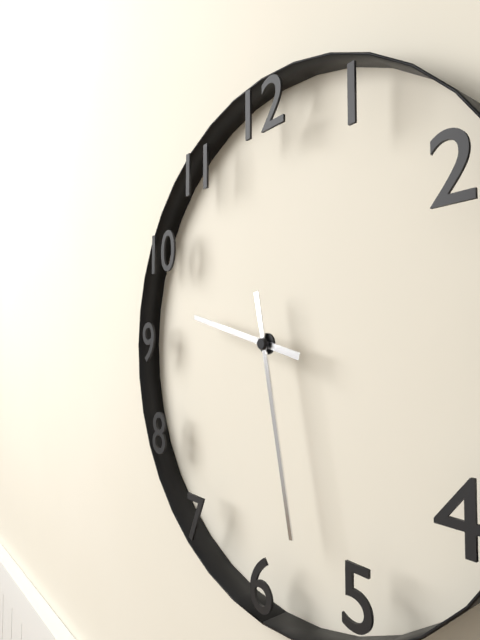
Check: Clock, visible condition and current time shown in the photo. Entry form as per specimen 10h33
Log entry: 9h28
